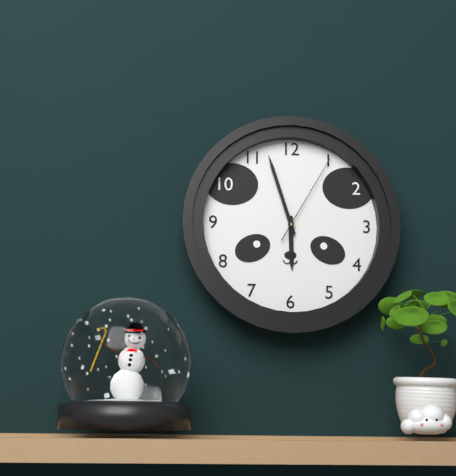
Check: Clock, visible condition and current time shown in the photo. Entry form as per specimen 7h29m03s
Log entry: 5h57m05s
